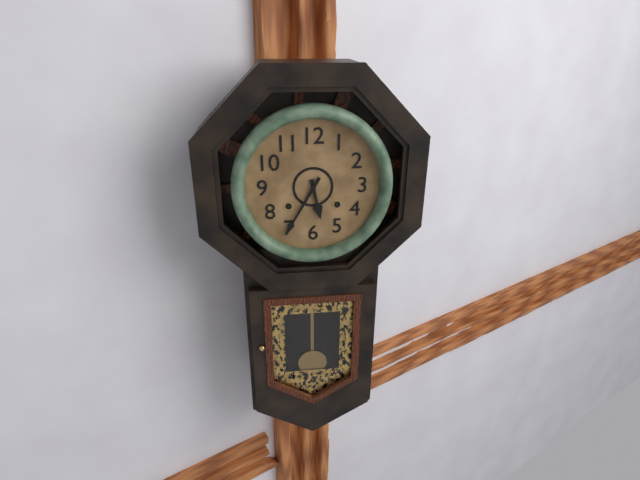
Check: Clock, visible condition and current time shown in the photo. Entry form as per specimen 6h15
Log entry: 5h35
